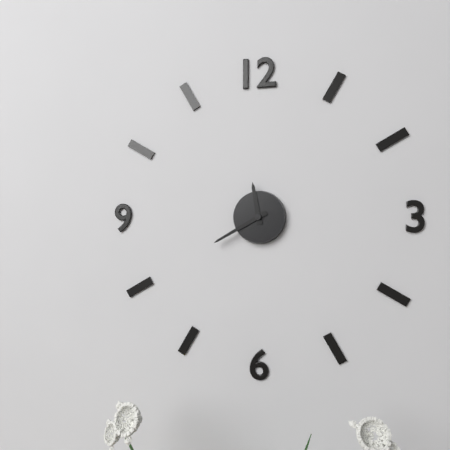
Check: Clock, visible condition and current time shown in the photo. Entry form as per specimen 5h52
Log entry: 11h40
